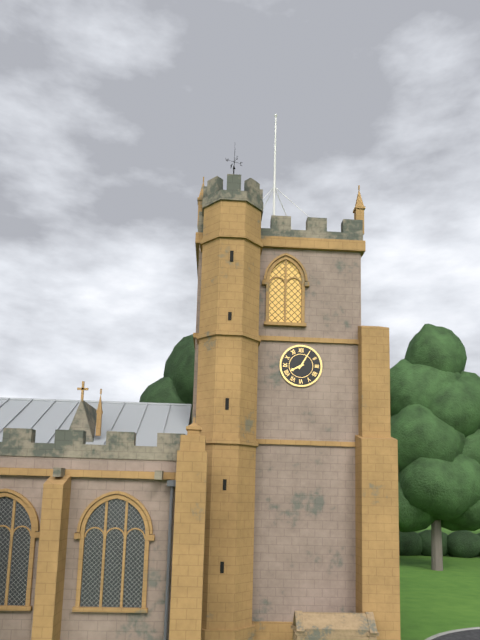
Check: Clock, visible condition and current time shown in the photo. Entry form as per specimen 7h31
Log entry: 8h05
